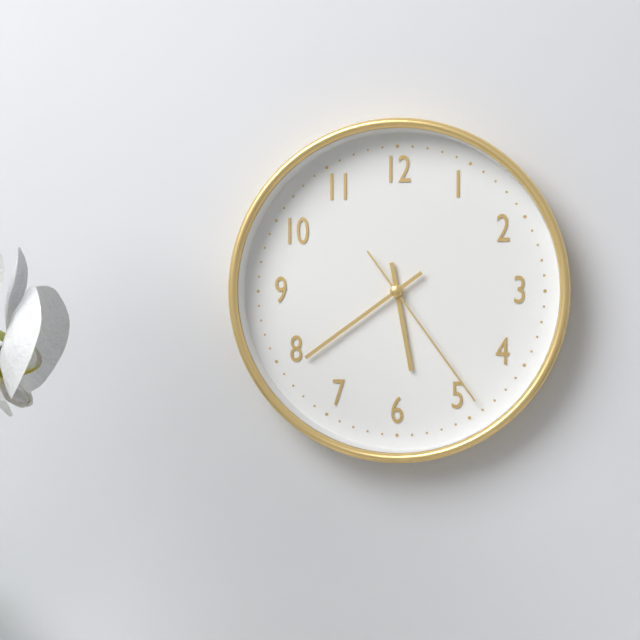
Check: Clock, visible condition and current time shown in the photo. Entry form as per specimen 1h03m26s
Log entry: 5h39m24s
